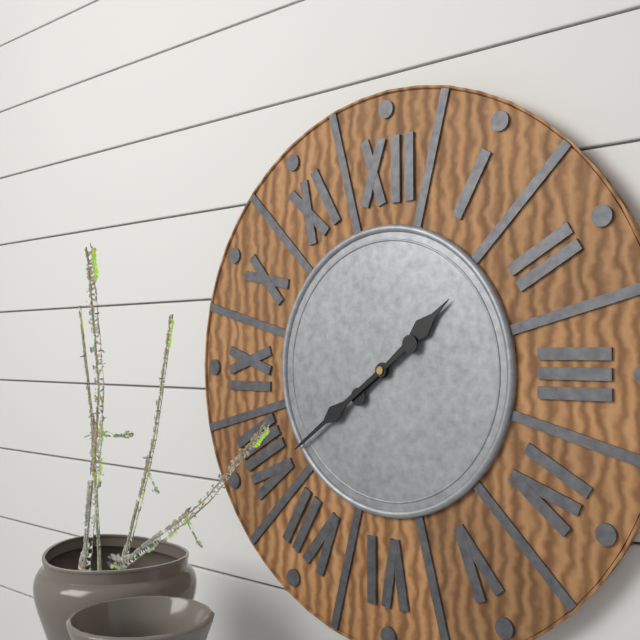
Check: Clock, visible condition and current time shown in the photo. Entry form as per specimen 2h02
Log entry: 1h39
